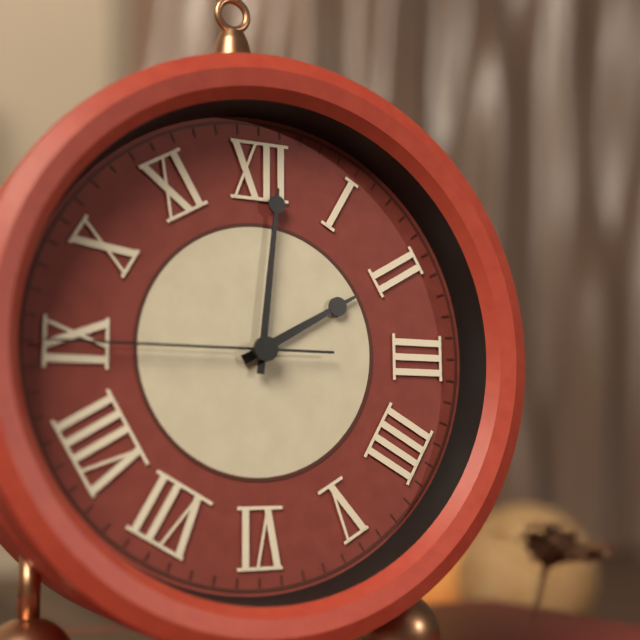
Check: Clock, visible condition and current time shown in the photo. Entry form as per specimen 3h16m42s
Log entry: 2h01m45s
